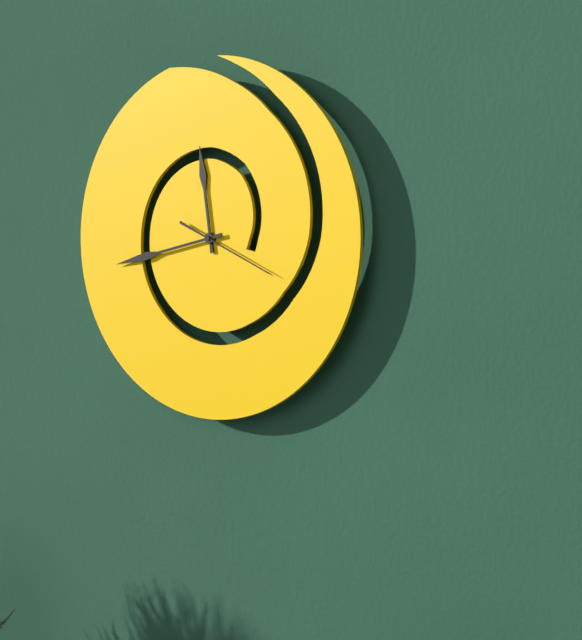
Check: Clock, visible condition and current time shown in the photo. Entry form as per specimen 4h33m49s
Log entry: 11h43m19s
